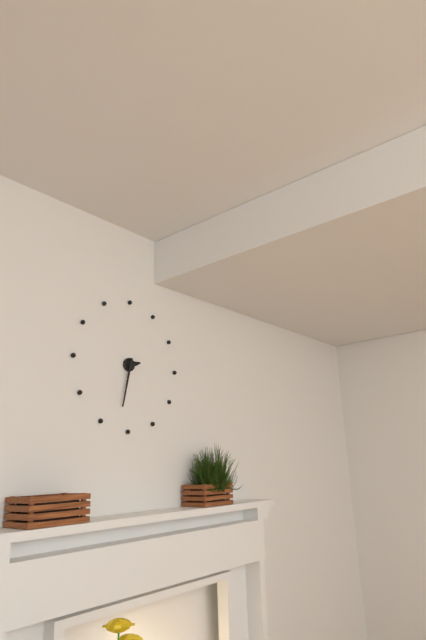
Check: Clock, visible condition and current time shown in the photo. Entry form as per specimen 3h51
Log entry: 2h32
